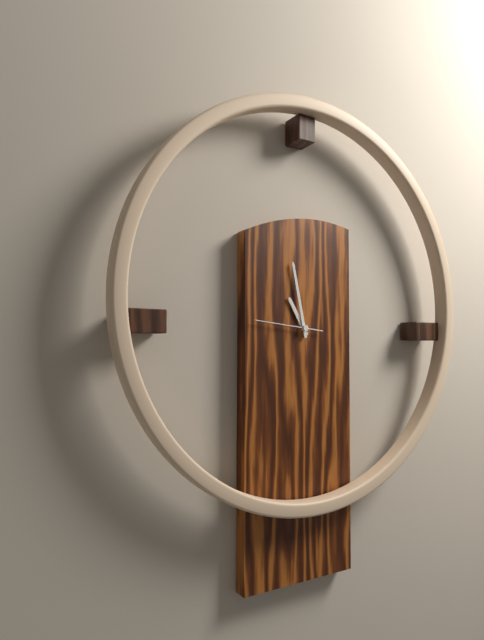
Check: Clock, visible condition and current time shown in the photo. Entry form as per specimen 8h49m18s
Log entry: 10h58m46s
